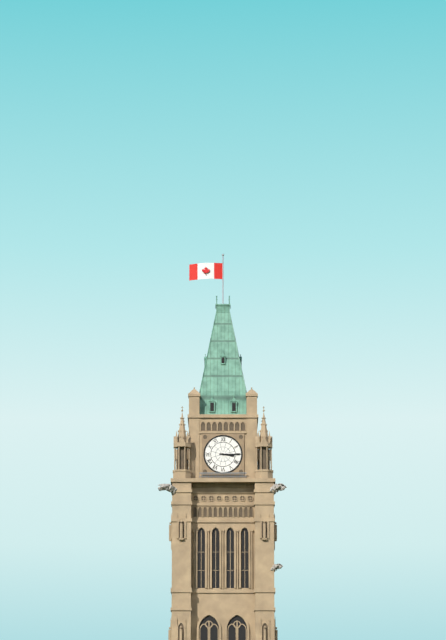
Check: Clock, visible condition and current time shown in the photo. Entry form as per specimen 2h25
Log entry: 3h15
